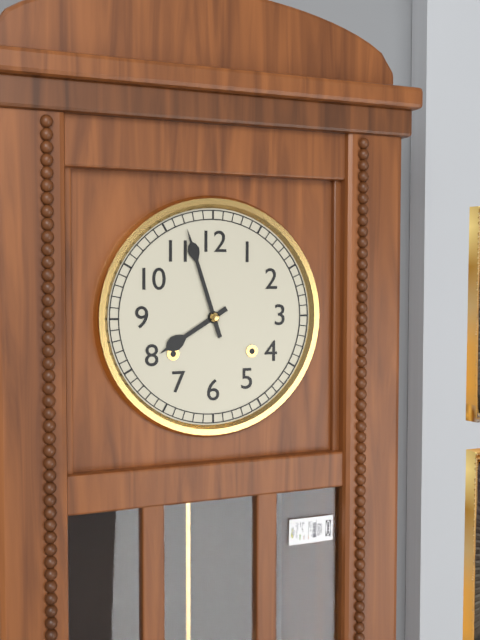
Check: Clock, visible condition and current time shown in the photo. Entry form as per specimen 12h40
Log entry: 7h57
